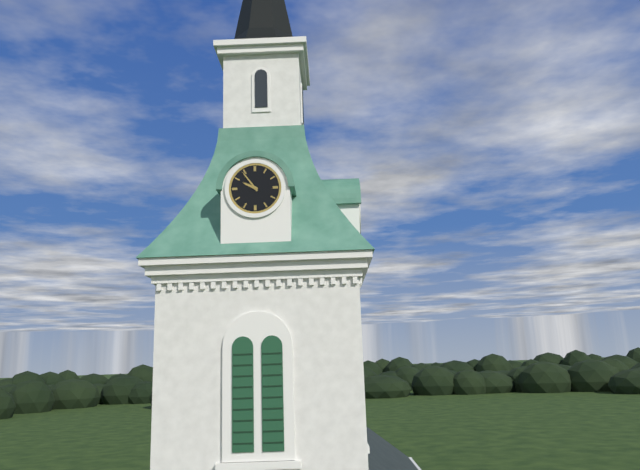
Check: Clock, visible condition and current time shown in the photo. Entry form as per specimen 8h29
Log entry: 9h54
